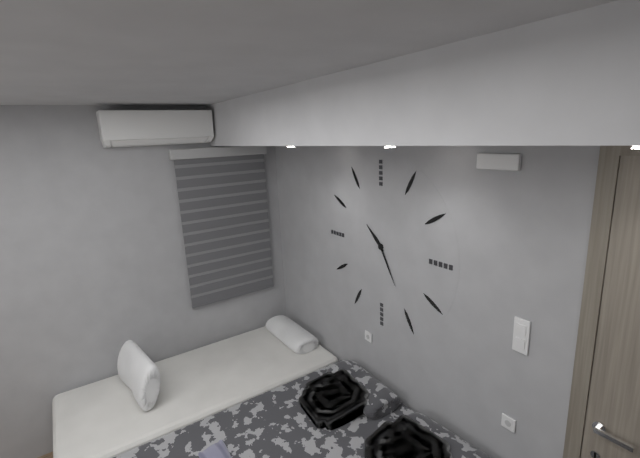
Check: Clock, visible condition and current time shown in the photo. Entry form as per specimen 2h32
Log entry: 10h25
